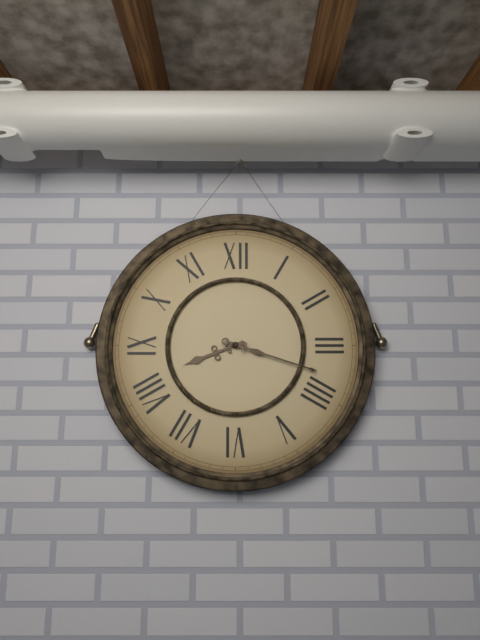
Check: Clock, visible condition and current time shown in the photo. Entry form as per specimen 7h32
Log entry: 8h18
